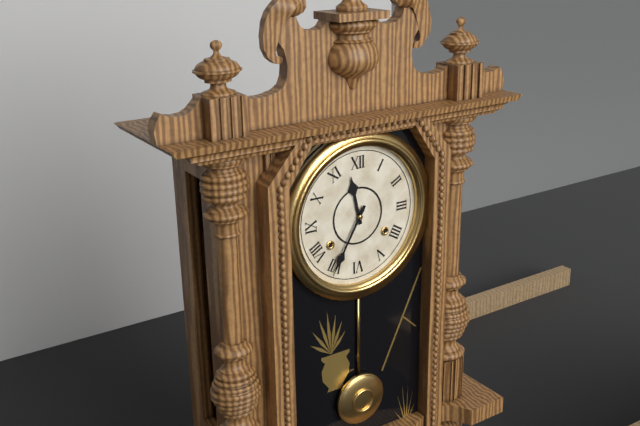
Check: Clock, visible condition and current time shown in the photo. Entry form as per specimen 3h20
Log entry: 11h35
